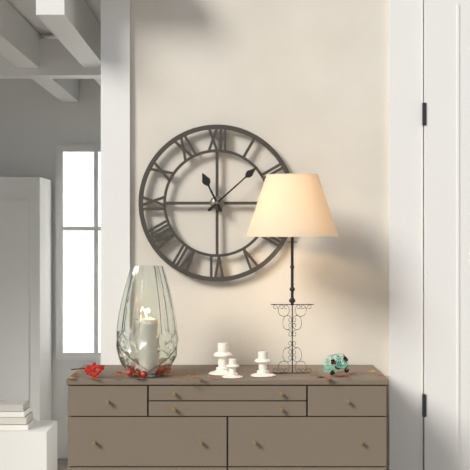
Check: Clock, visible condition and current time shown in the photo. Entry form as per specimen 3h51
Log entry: 11h08
